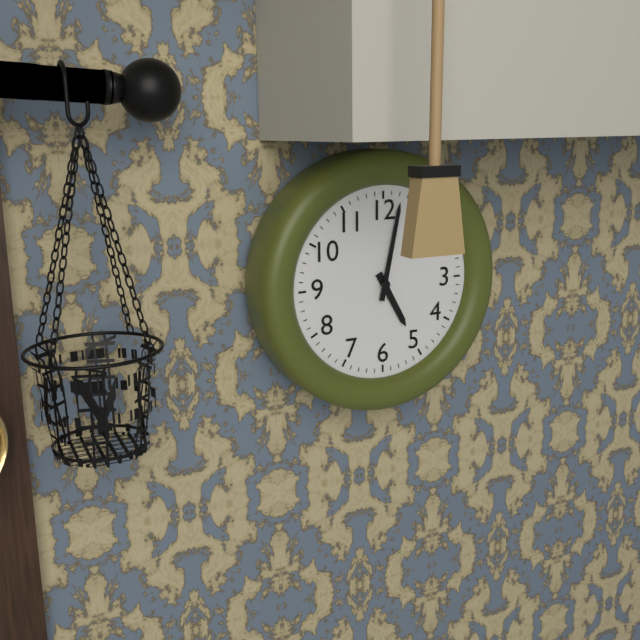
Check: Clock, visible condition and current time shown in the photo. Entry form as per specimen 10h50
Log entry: 5h02
